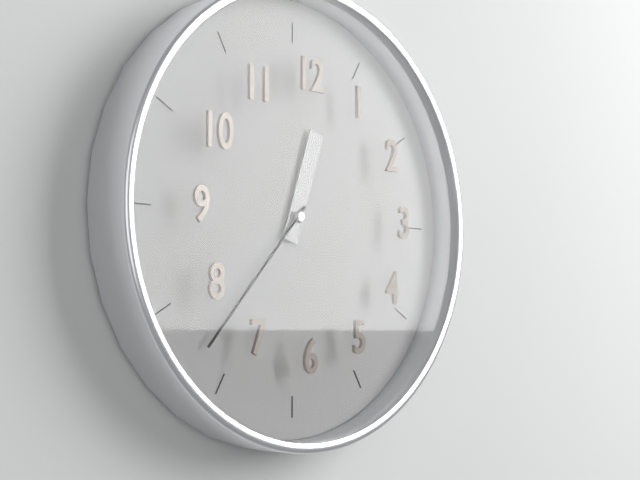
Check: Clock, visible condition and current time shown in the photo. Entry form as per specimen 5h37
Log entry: 12h37
